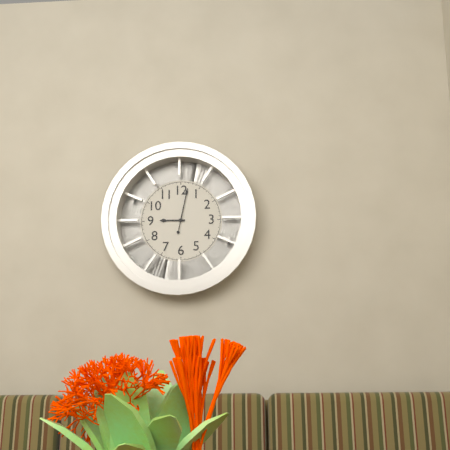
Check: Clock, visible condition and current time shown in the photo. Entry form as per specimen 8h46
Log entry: 9h02
